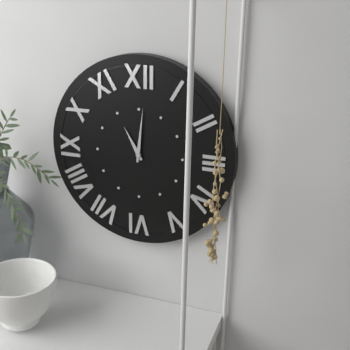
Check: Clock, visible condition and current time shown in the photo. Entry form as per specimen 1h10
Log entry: 11h01
